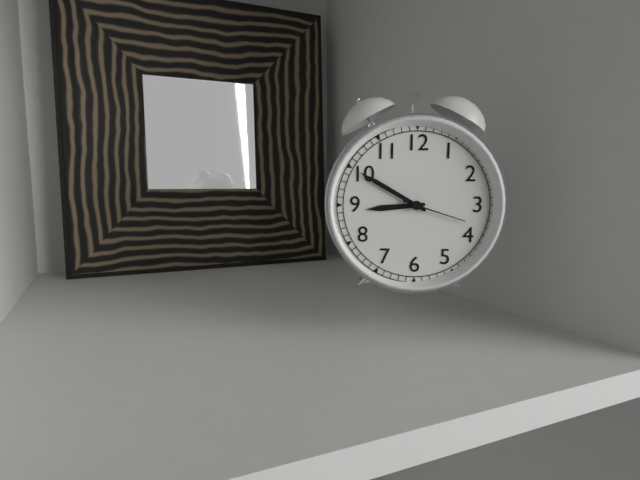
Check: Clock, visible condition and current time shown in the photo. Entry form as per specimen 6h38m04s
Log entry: 8h50m18s
